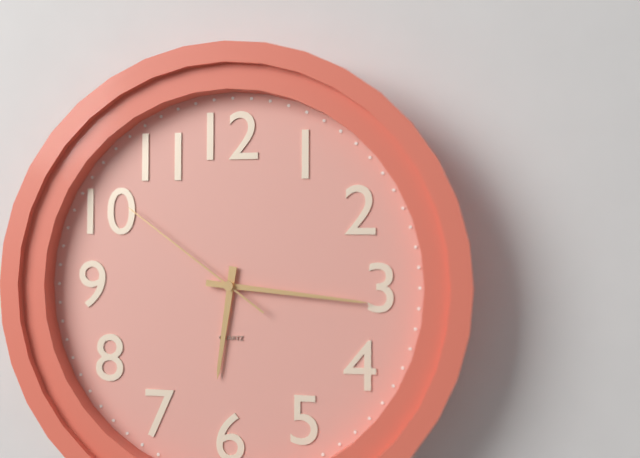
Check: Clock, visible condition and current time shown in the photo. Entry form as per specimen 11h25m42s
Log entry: 6h16m51s
